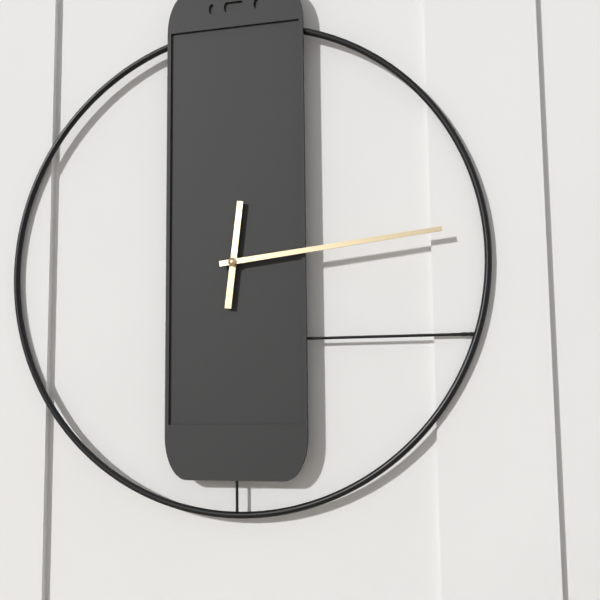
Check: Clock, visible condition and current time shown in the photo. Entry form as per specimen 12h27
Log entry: 12h14
